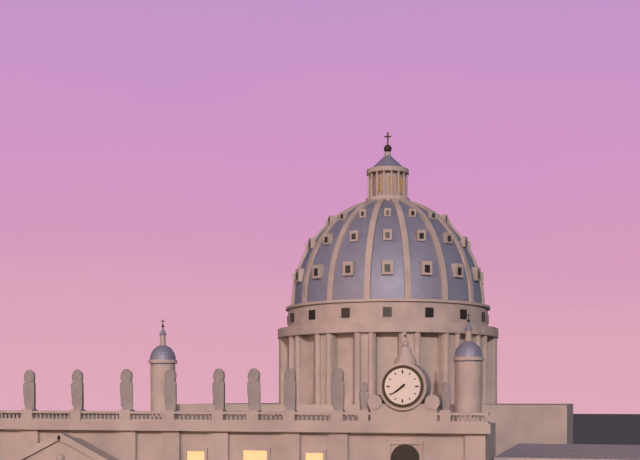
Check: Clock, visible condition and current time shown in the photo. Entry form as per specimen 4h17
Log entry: 7h39
